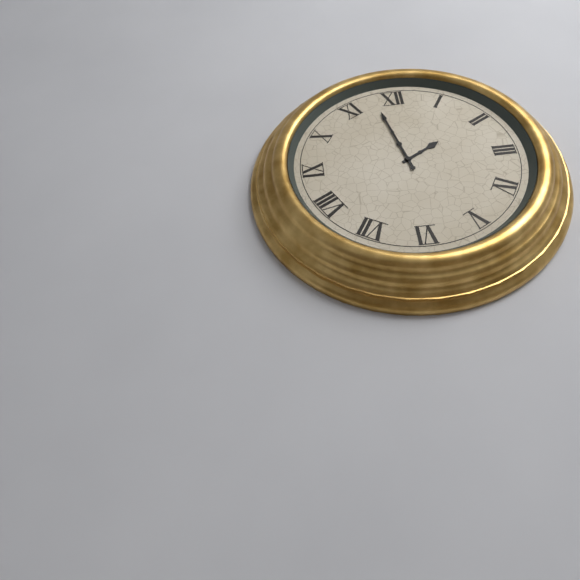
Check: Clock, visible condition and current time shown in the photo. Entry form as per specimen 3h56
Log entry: 1h58
